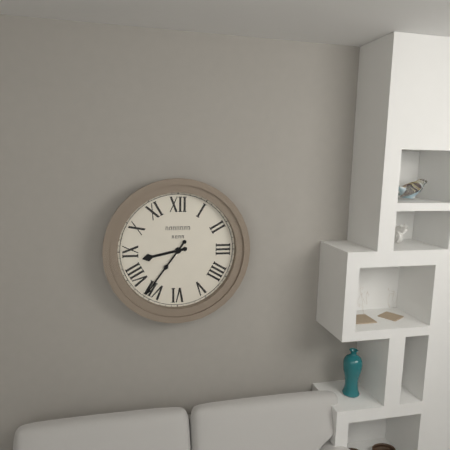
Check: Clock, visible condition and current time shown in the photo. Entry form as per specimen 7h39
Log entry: 8h36
